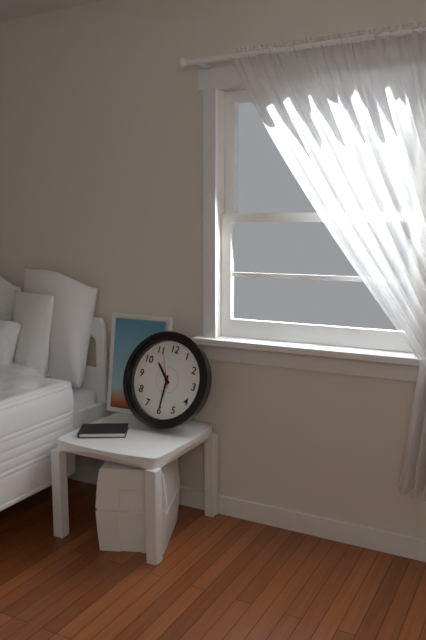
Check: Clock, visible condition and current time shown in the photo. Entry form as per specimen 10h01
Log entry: 10h30
